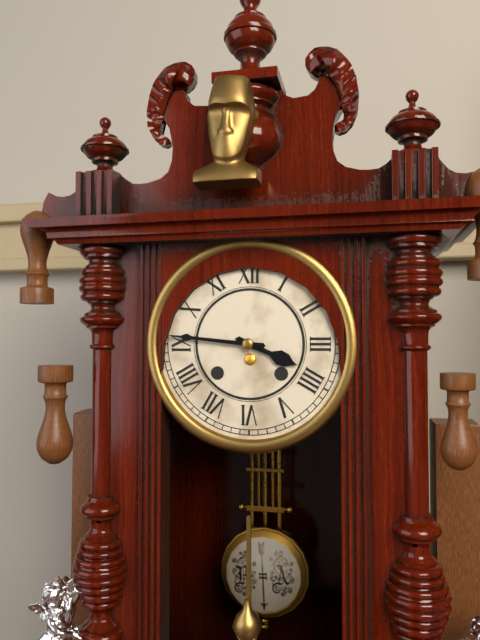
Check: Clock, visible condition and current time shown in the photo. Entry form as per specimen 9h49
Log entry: 3h46
